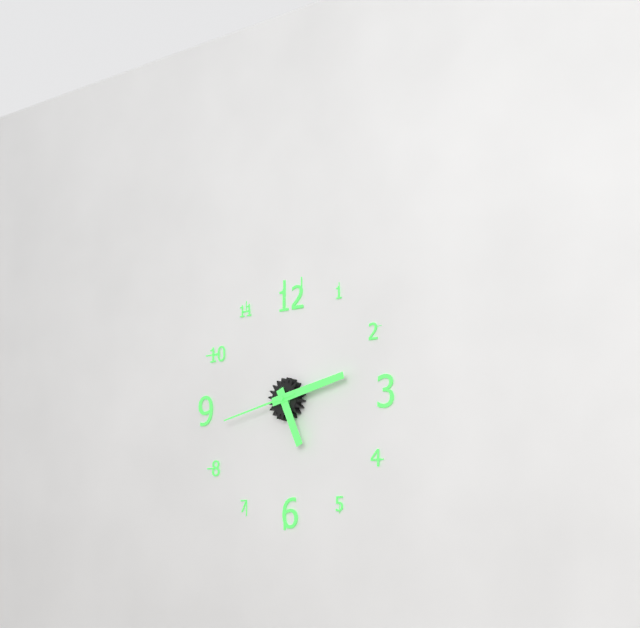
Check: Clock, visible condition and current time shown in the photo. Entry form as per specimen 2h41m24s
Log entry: 5h13m43s
